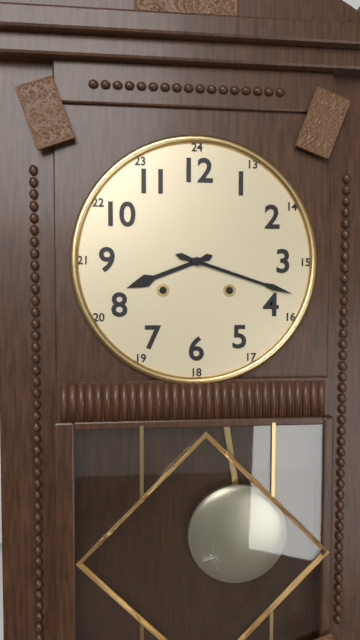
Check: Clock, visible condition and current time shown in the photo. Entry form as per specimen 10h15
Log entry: 8h18
